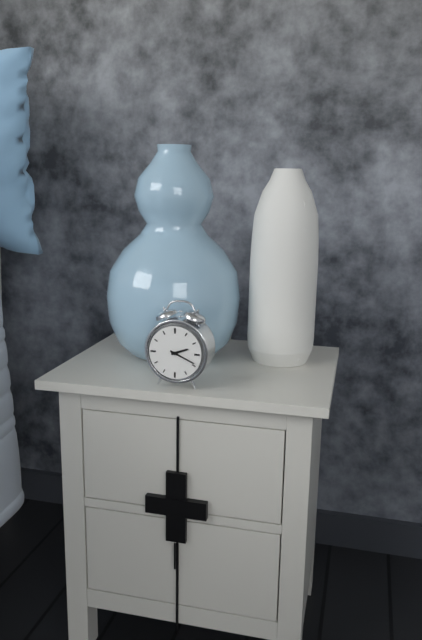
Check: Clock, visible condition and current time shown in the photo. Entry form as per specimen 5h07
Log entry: 2h19
